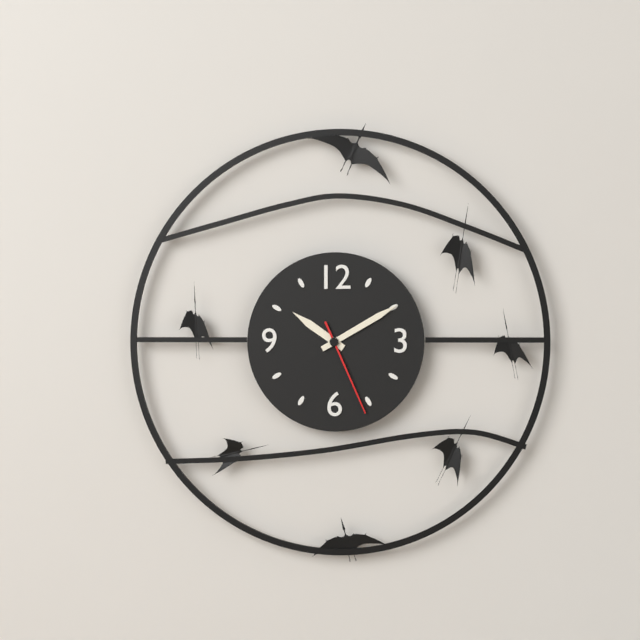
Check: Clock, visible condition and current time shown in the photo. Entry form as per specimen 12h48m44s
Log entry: 10h10m26s
